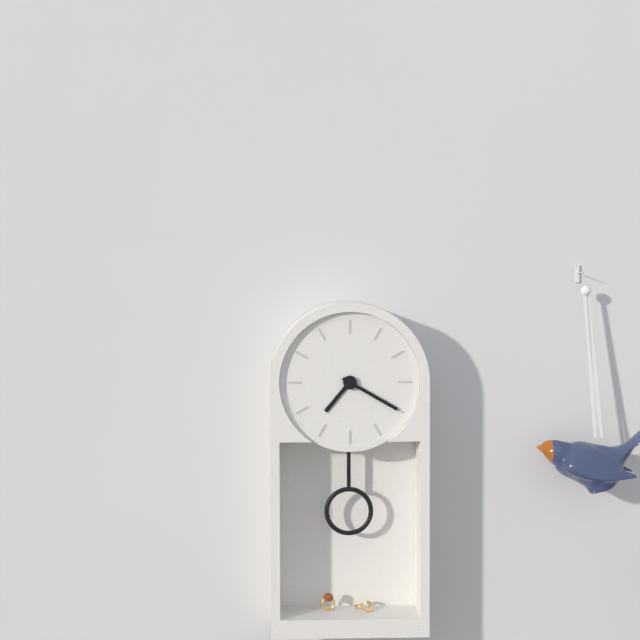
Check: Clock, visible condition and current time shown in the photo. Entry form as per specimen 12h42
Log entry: 7h20
